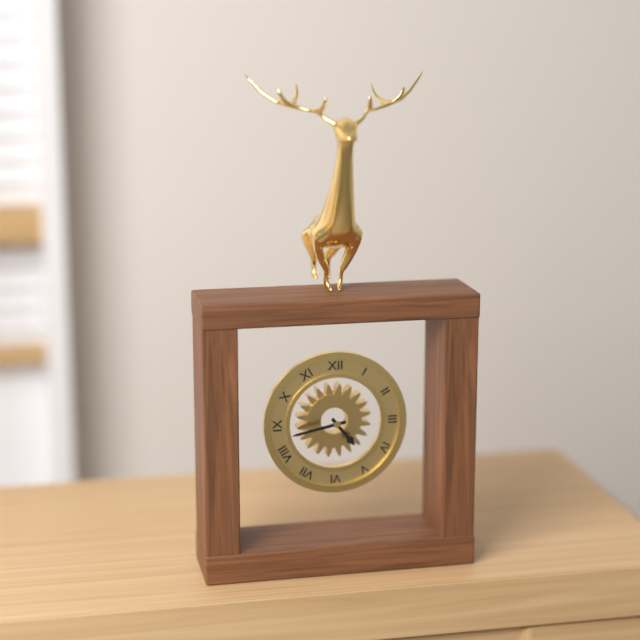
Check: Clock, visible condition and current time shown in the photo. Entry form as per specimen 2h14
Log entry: 4h43
